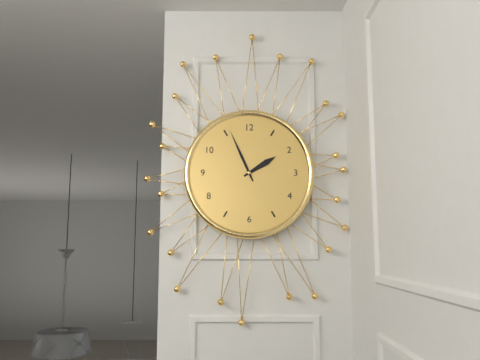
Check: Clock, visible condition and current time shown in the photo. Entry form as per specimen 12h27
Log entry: 1h56
